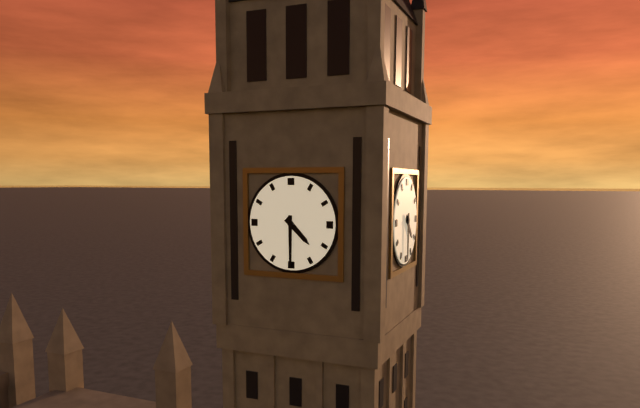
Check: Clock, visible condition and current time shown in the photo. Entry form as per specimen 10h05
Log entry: 4h30
